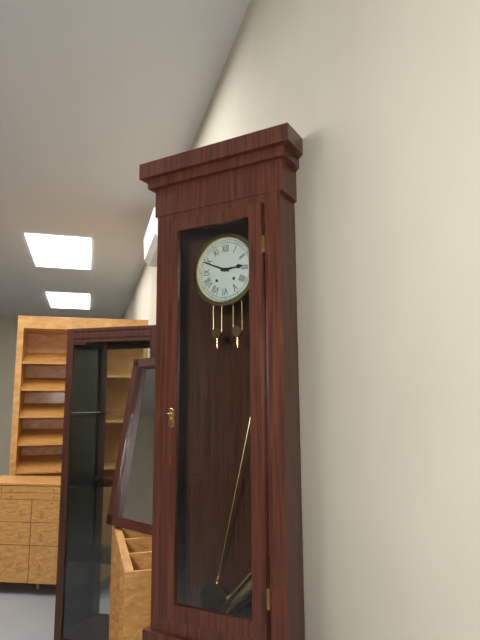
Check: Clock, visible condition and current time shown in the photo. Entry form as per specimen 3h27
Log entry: 2h49
